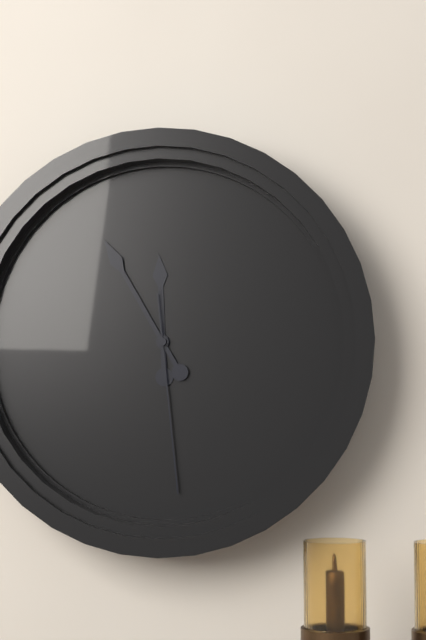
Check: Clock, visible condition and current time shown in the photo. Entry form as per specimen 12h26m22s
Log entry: 11h55m29s
